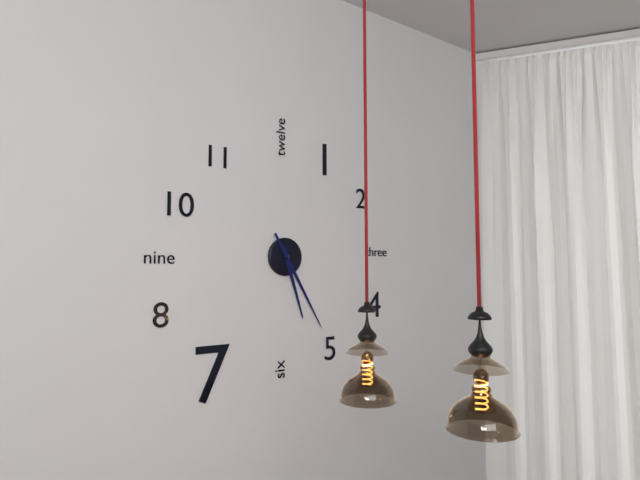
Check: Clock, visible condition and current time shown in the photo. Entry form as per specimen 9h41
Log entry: 5h25
